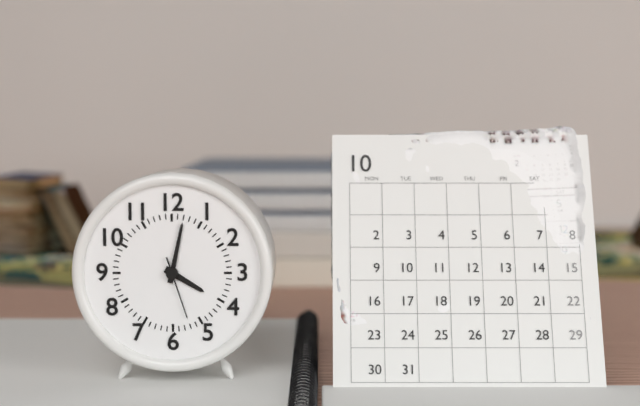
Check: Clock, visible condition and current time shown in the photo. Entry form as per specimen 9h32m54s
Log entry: 4h02m27s
